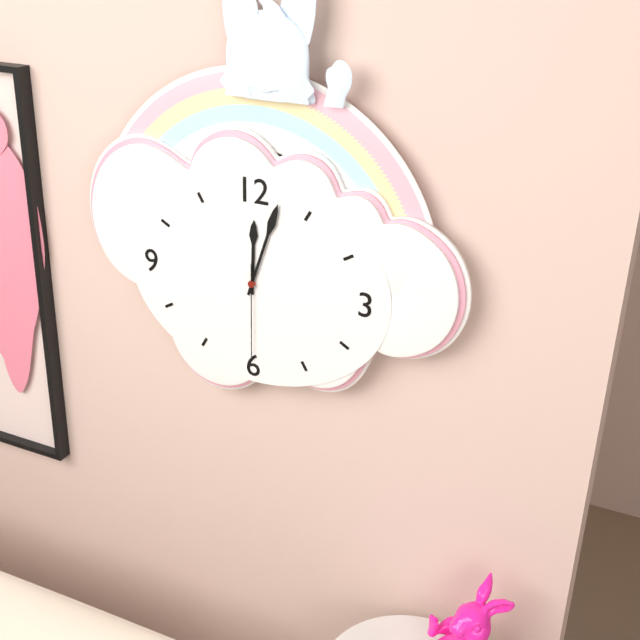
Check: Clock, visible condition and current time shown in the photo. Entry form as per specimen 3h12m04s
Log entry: 12h03m30s
